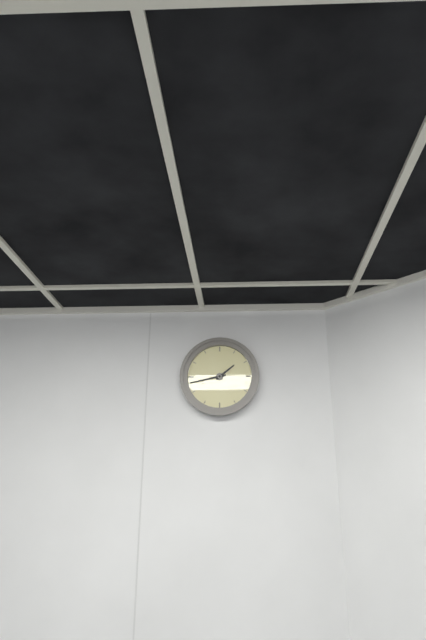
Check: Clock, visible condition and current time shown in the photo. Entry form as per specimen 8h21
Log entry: 1h43
